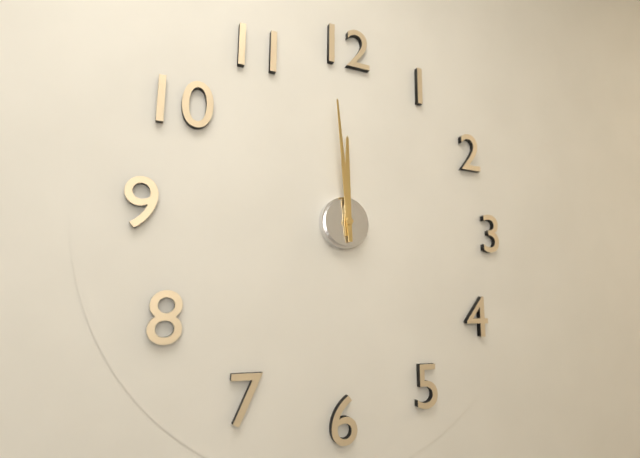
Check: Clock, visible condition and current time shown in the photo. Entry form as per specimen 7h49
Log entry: 11h59
